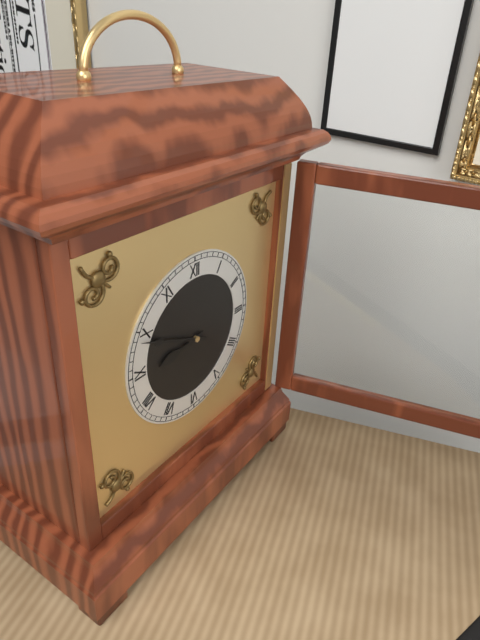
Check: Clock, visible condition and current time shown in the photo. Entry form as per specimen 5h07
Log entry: 8h49
